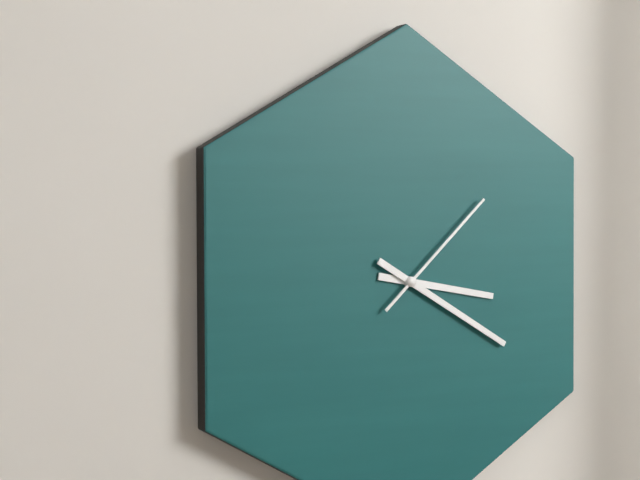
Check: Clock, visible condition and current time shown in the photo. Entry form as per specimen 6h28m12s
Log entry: 3h20m08s
